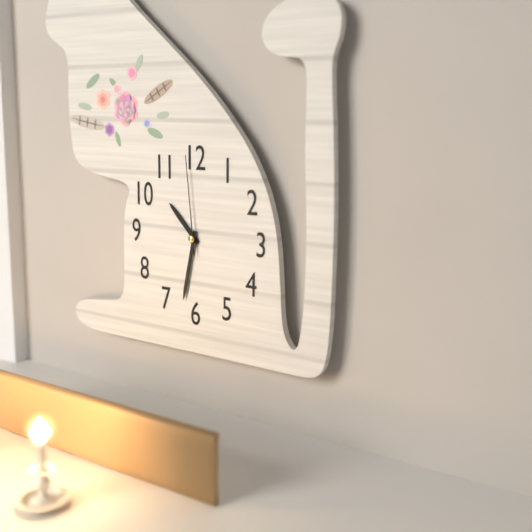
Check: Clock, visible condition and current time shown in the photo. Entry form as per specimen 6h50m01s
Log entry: 10h32m59s
